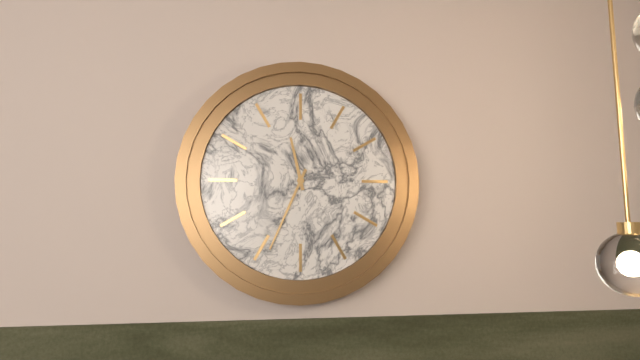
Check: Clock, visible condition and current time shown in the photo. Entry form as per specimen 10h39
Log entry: 11h34
